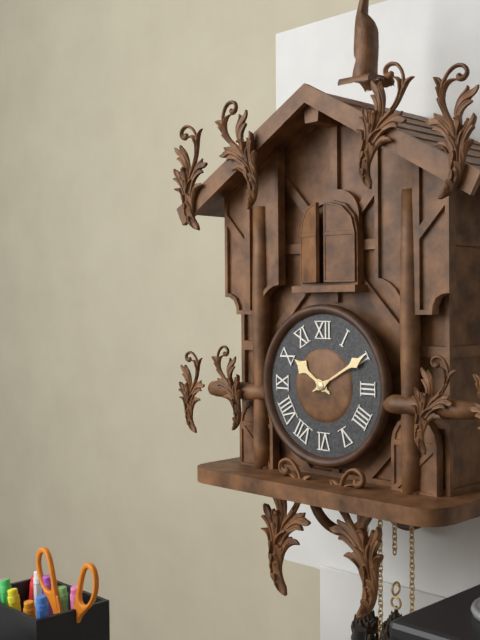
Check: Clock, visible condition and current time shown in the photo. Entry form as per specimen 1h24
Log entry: 10h10
